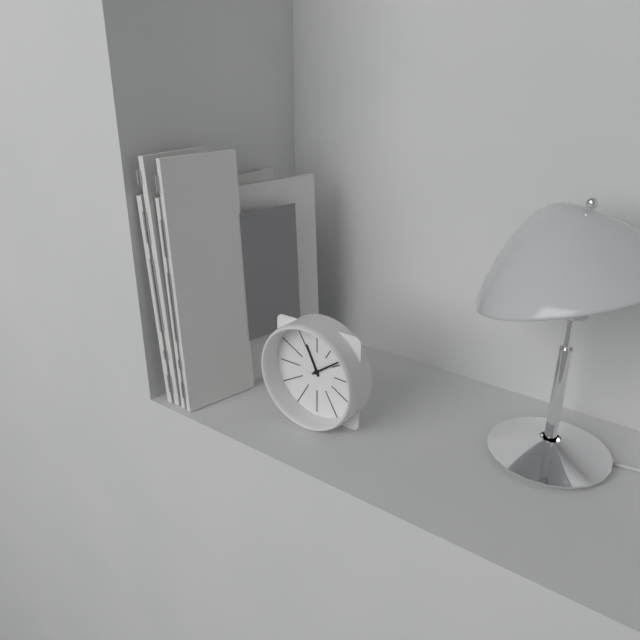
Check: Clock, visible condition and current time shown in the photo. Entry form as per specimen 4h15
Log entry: 11h09
